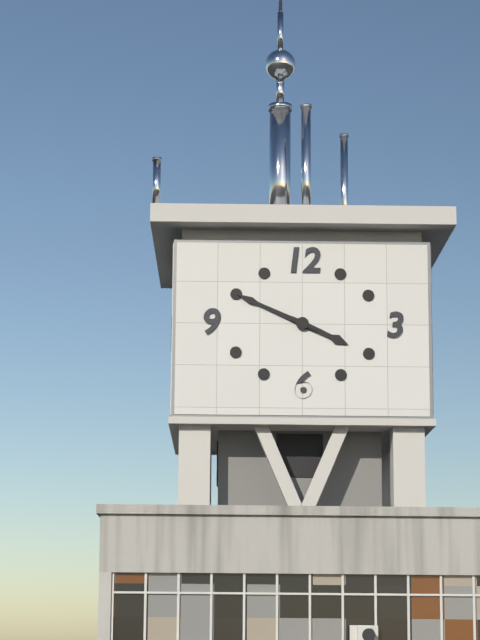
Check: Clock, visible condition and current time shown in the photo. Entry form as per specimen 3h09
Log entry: 3h49
